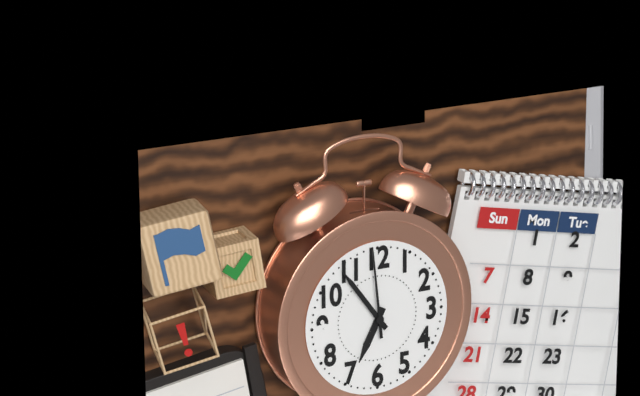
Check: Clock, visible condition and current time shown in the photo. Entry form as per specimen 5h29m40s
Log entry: 6h54m59s
